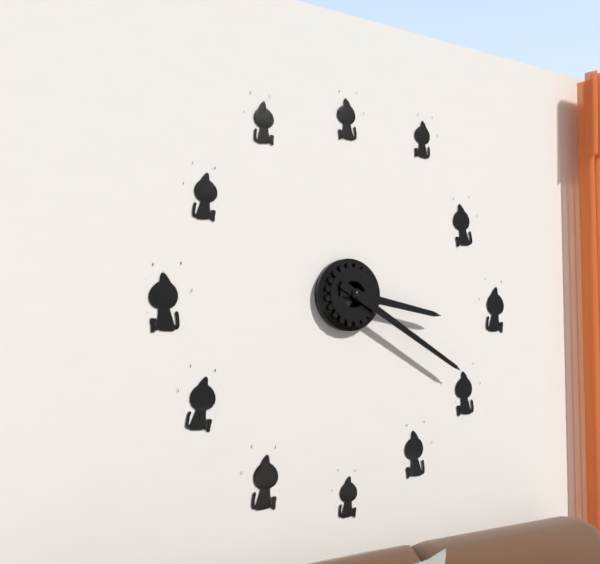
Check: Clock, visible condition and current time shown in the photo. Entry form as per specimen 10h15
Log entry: 3h20
